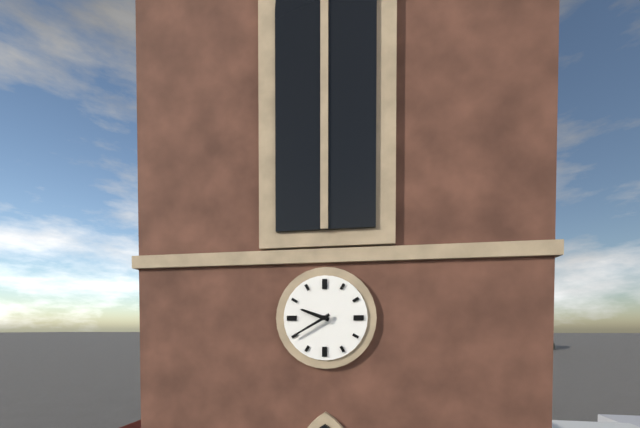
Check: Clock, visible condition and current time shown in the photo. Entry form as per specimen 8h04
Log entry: 9h40
